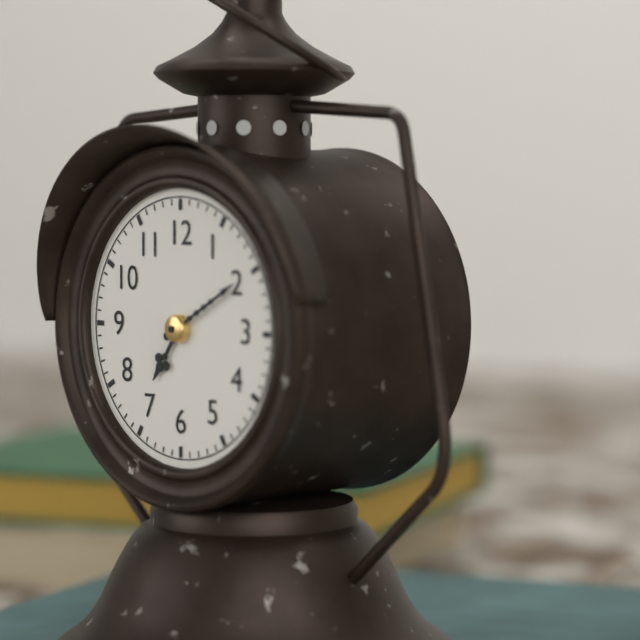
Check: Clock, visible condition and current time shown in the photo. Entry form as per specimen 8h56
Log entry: 7h10
